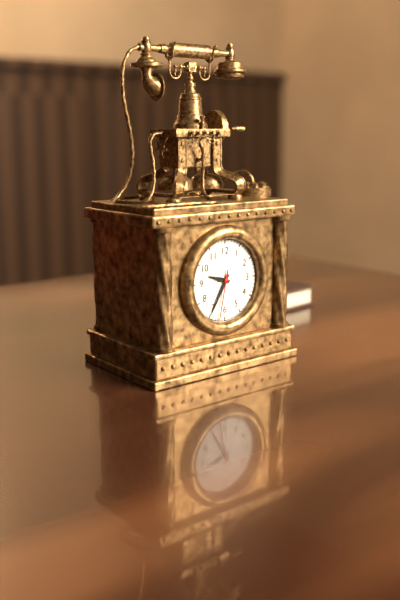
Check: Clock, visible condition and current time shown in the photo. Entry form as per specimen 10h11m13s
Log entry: 9h35m32s
